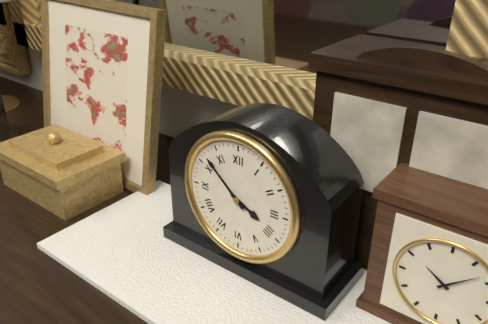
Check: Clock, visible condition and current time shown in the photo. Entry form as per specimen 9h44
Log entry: 3h52
